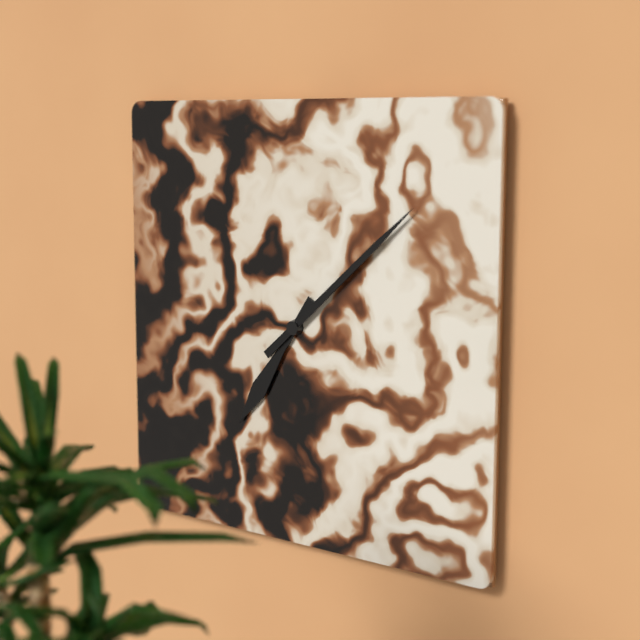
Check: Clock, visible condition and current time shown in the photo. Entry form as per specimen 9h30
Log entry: 7h08
